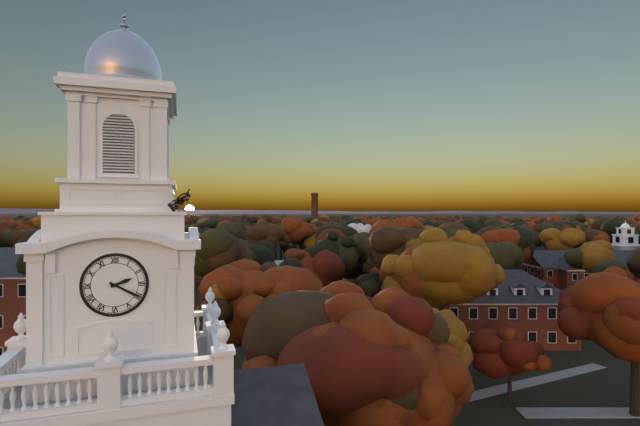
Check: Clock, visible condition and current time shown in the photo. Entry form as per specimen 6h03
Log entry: 2h20
